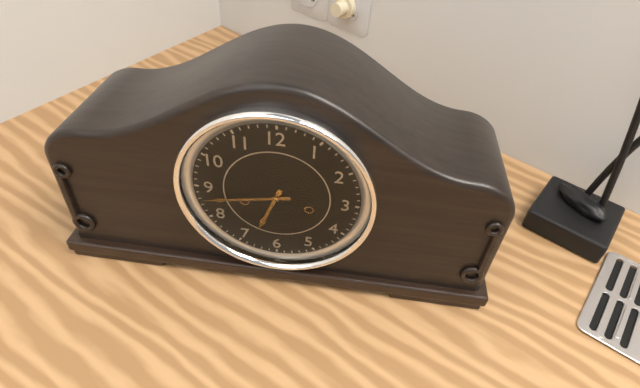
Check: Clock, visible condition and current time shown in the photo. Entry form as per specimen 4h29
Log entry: 6h43
